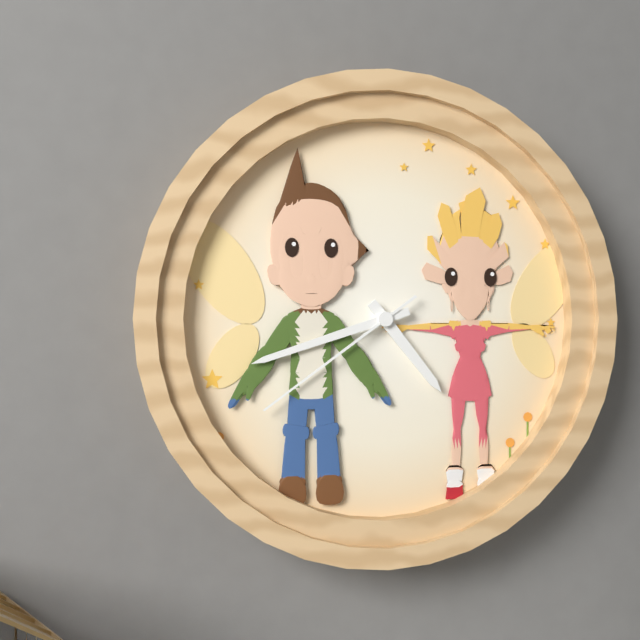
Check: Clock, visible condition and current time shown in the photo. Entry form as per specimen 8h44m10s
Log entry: 4h42m39s
